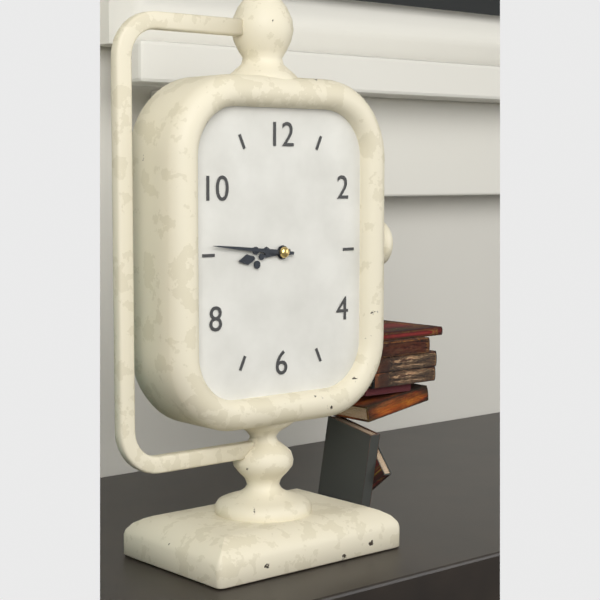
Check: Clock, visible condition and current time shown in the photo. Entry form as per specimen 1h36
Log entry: 8h46
